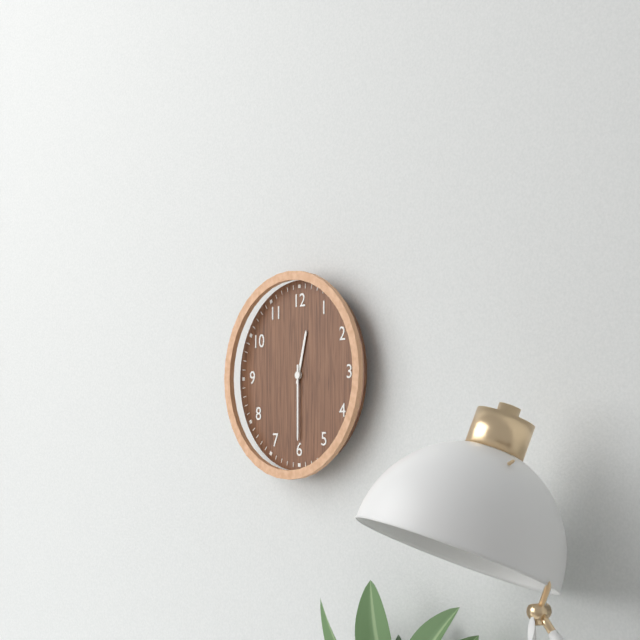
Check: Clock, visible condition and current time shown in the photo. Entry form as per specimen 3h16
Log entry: 12h30
